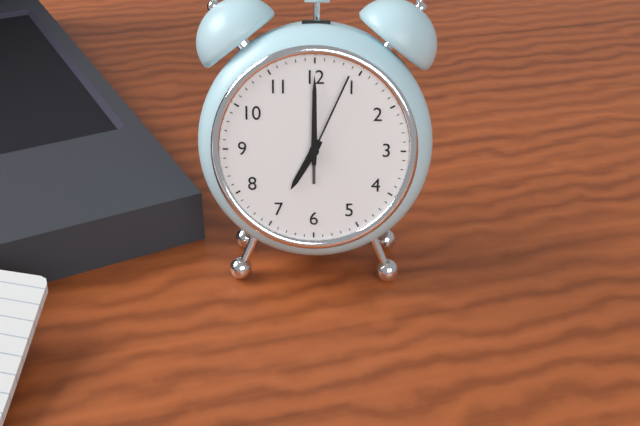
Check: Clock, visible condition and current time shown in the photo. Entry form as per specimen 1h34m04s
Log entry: 7h00m04s
